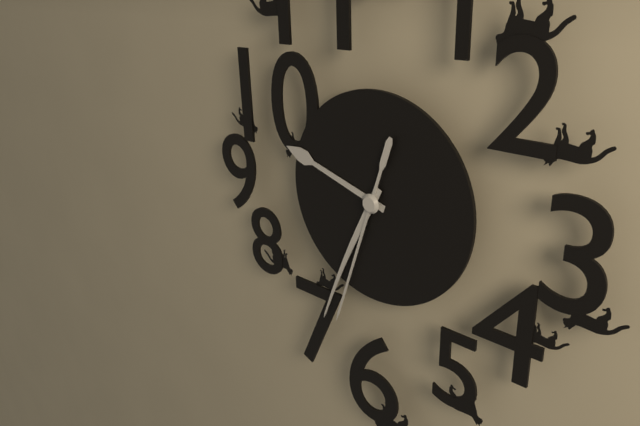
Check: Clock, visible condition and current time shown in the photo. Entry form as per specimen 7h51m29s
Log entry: 9h34m33s
